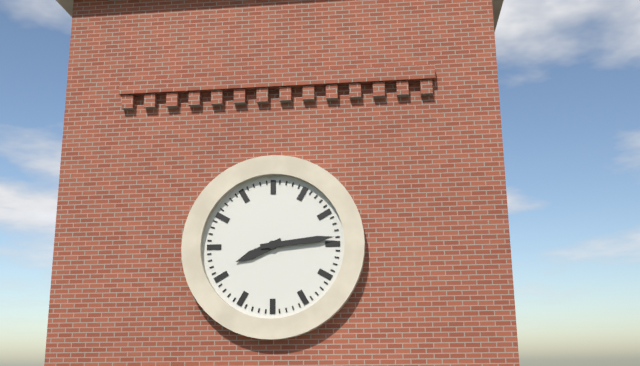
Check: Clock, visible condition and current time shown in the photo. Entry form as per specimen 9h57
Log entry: 8h14
